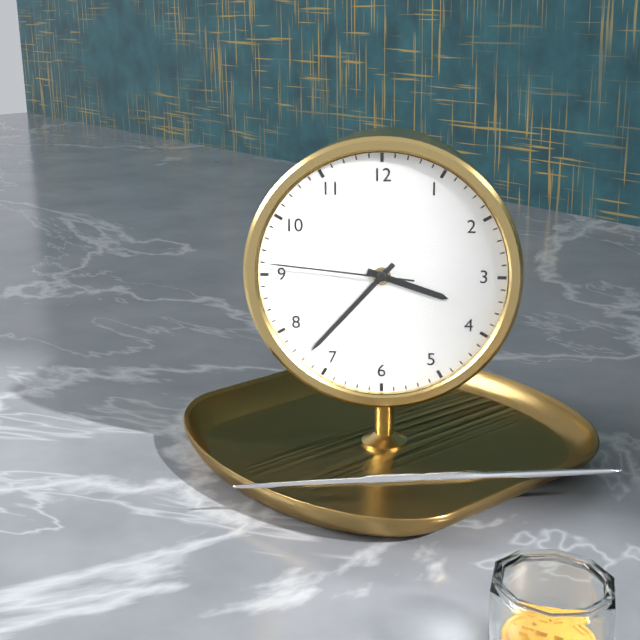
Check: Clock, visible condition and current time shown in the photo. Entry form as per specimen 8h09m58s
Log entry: 3h37m46s
